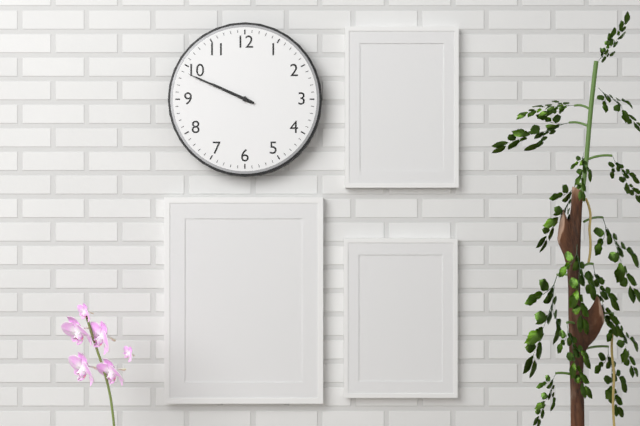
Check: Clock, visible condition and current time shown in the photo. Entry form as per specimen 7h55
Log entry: 9h49
